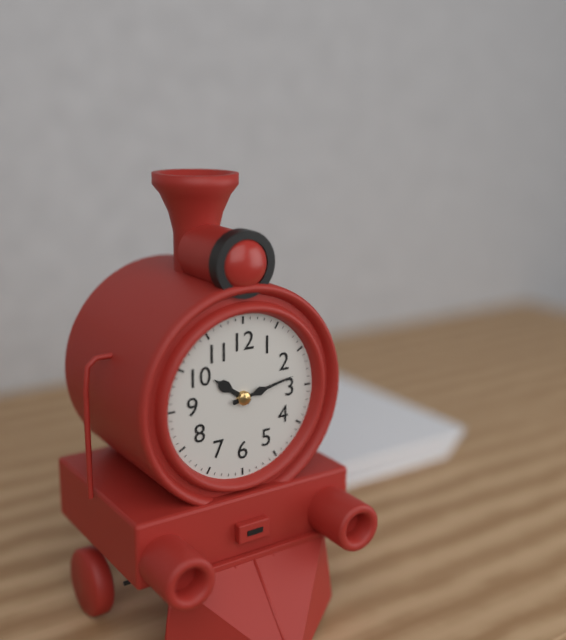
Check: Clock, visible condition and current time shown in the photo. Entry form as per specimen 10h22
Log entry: 10h13
